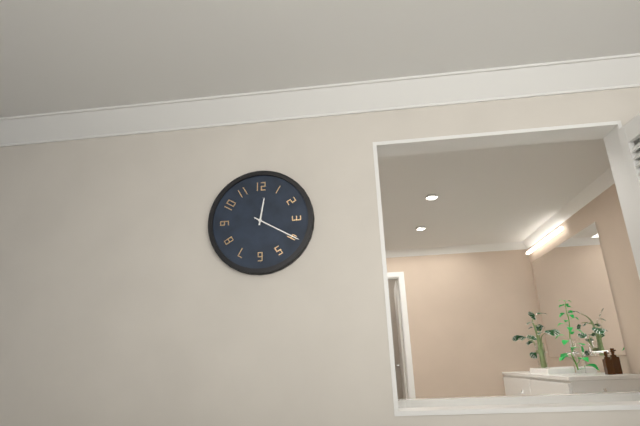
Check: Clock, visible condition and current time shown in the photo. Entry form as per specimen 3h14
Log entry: 12h20
